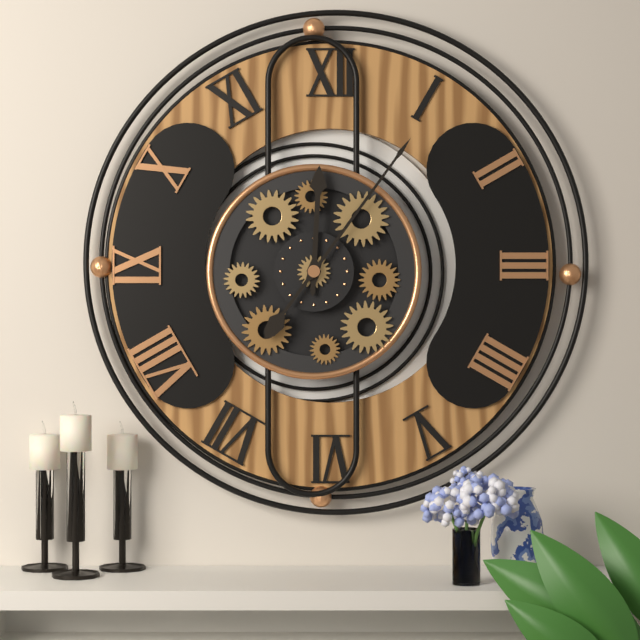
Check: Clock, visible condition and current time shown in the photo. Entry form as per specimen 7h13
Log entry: 12h06
